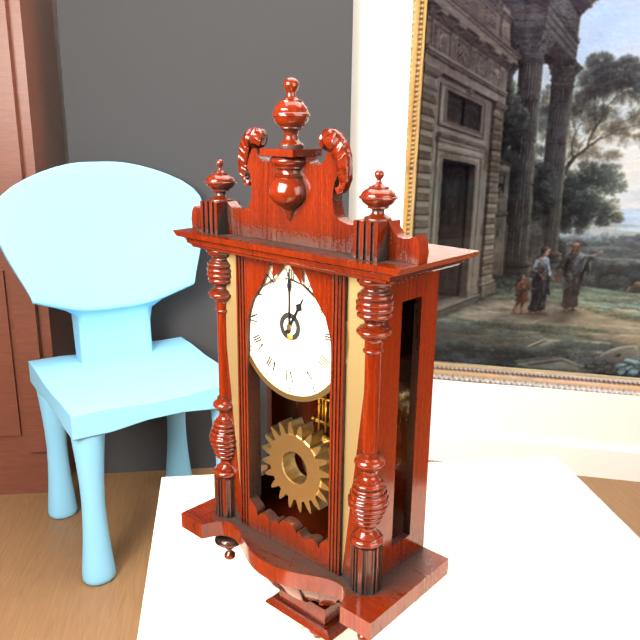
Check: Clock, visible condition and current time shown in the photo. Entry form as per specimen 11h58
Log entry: 1h00
